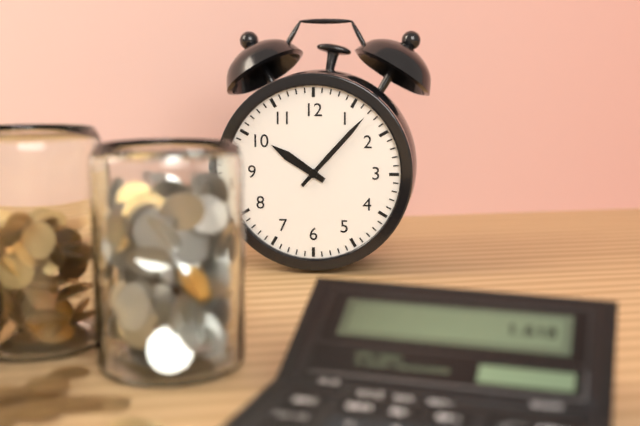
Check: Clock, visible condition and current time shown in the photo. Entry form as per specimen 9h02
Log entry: 10h07
